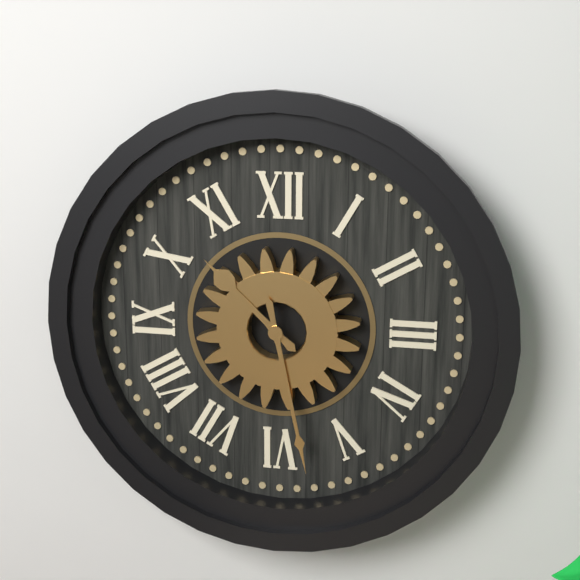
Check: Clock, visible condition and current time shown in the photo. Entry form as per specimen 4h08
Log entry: 10h28
